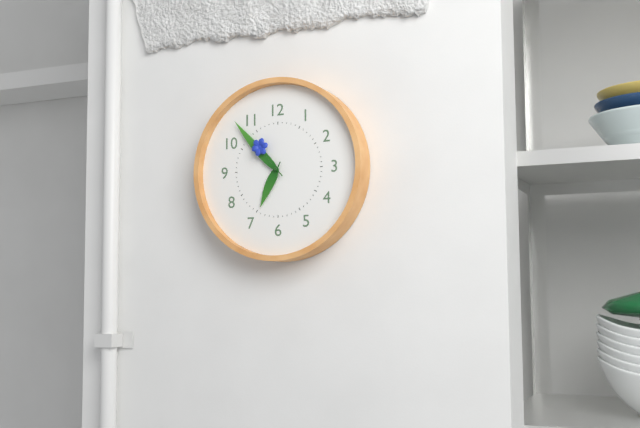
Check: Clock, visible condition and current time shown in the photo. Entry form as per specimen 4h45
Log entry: 6h53
